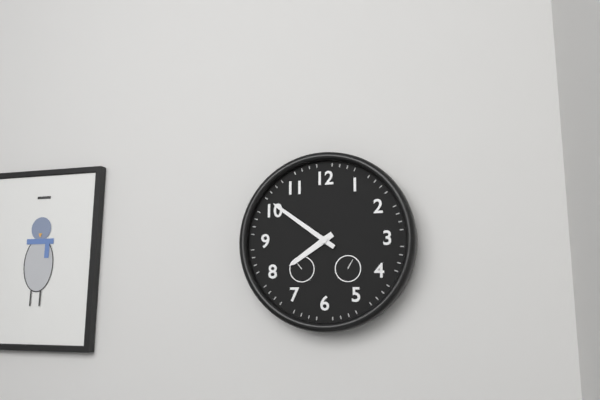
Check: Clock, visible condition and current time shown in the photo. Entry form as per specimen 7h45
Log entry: 7h51
